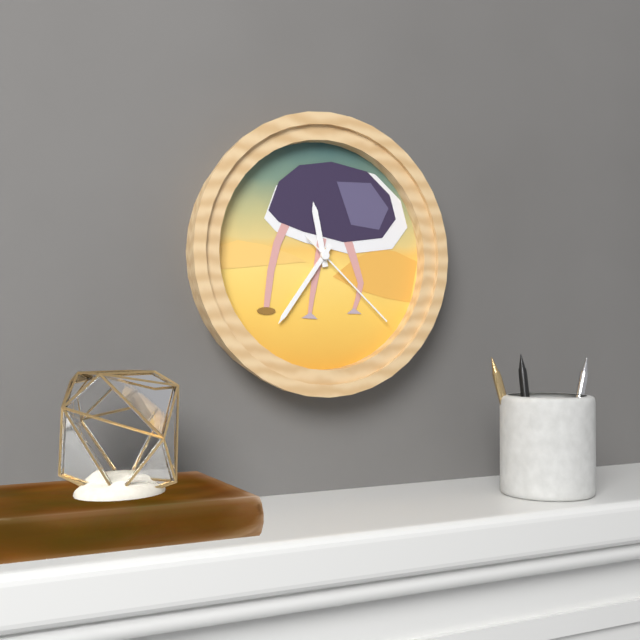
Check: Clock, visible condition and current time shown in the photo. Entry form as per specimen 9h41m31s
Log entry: 11h36m22s
